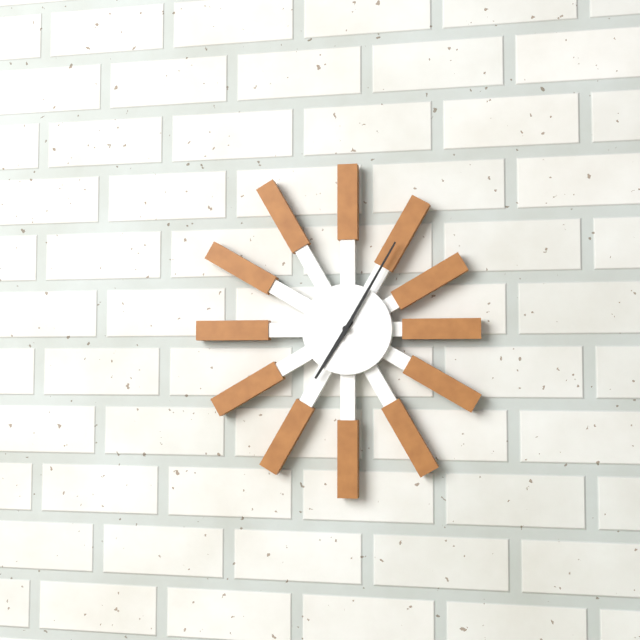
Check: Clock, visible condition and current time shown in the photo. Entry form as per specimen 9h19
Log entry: 7h05
